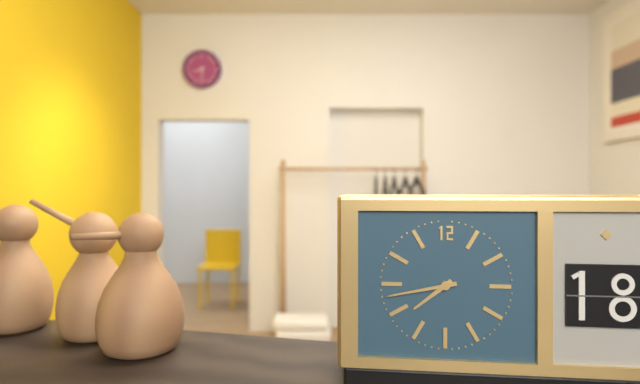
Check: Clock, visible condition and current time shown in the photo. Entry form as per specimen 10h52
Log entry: 7h43
